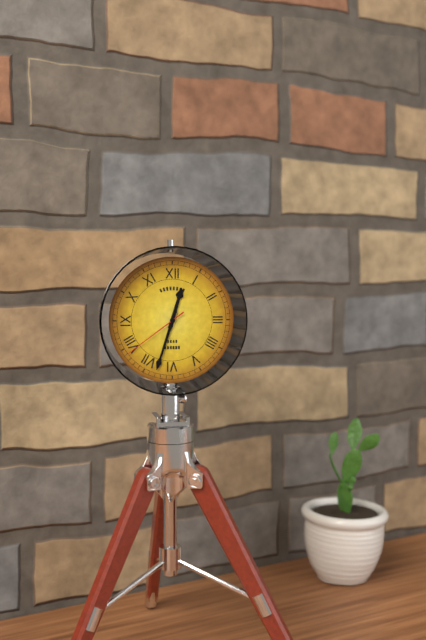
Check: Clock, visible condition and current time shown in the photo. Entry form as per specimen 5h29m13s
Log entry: 12h33m39s
